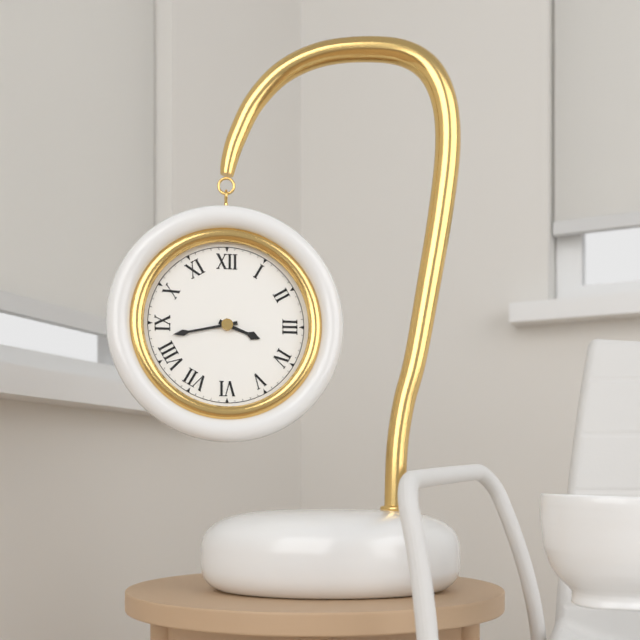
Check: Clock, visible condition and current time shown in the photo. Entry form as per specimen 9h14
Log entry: 3h43
